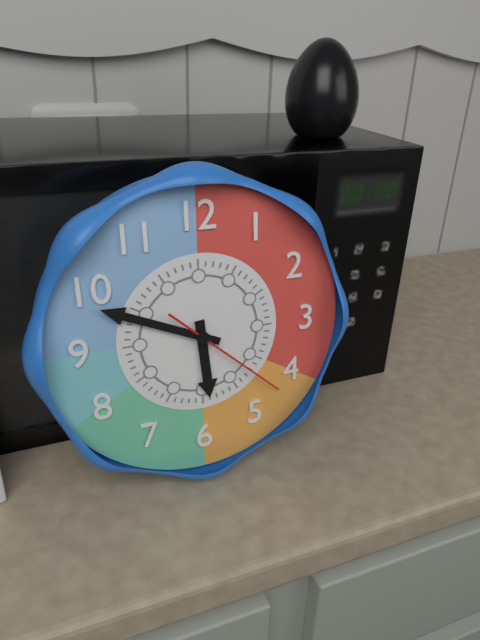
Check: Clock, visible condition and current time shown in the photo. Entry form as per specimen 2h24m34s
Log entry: 5h49m22s
